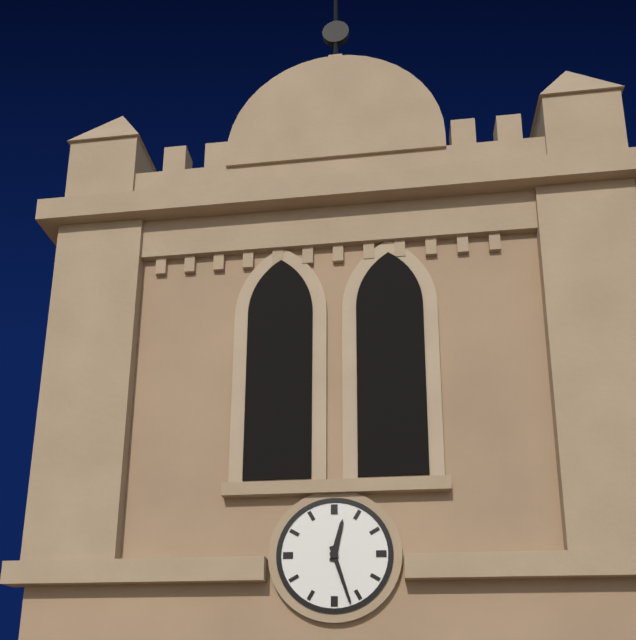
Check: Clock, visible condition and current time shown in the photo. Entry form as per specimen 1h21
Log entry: 12h27
